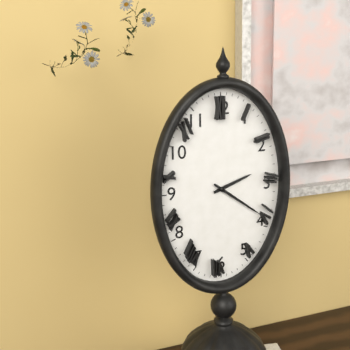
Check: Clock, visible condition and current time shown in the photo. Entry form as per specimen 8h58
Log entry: 2h21
